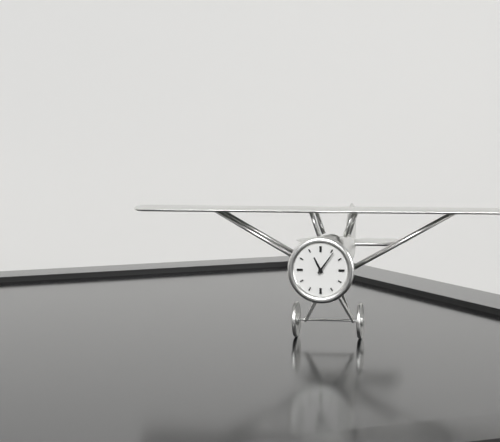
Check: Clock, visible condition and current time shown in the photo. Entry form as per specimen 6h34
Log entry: 11h06
